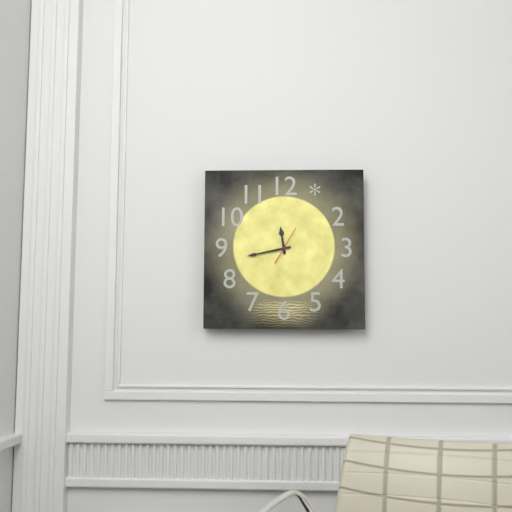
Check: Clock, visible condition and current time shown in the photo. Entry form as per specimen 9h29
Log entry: 11h43
